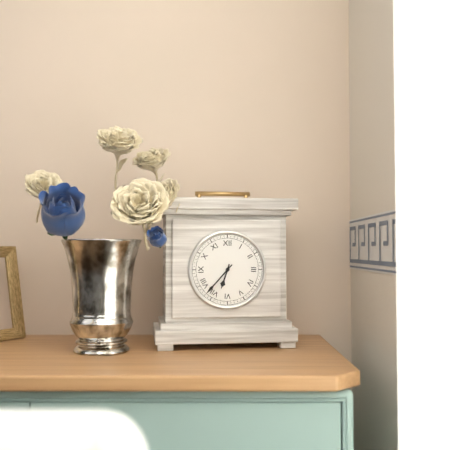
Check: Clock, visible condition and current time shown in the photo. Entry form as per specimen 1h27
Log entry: 6h37
